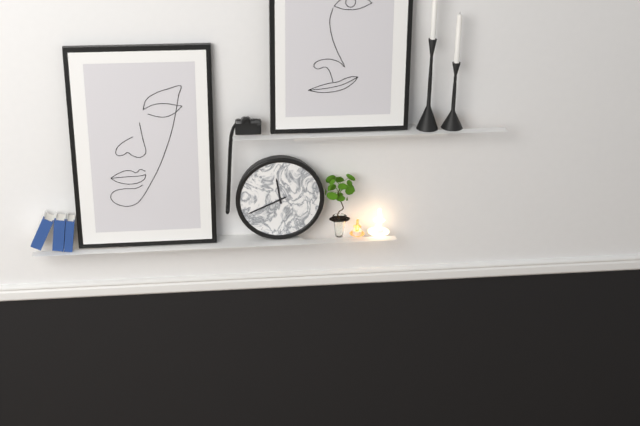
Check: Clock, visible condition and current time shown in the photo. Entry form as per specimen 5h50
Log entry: 11h41
